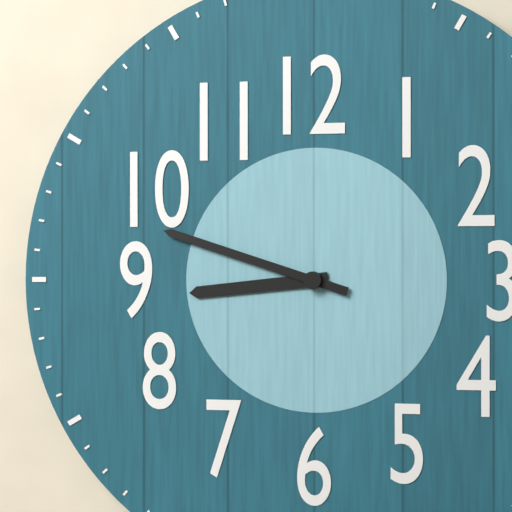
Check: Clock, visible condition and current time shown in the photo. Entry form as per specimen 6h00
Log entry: 8h48
